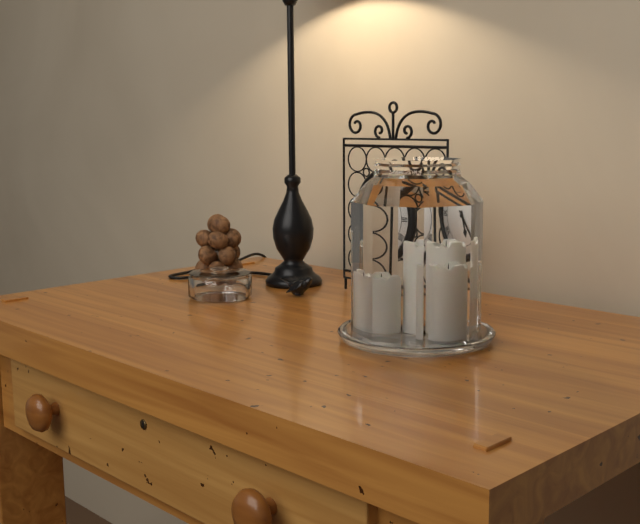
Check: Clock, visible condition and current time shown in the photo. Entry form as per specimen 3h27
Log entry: 5h23
